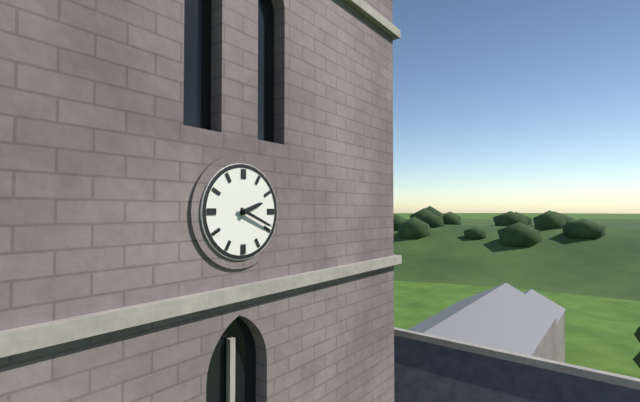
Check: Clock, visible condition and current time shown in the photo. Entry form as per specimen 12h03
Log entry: 2h19
